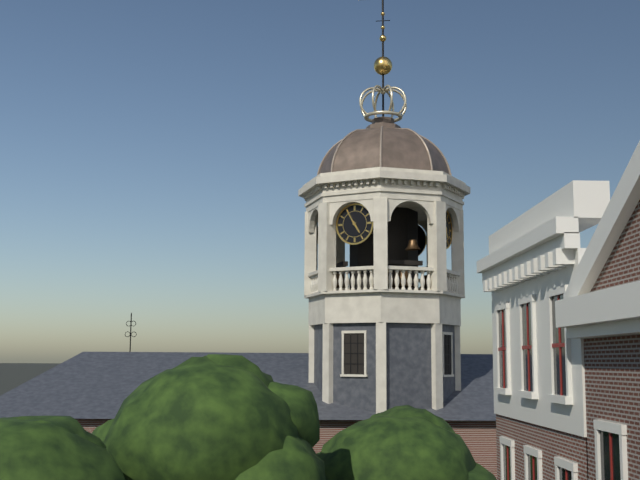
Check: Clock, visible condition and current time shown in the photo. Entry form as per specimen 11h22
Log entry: 4h55
